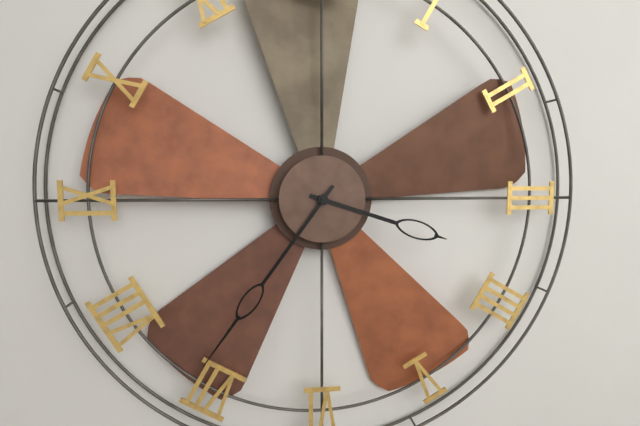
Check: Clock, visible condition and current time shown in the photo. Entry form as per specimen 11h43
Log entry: 3h36
